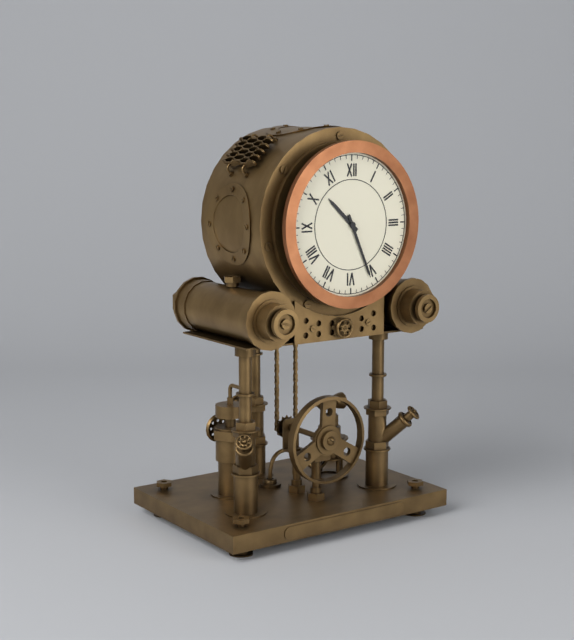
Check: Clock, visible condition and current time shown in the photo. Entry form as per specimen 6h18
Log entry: 10h26
